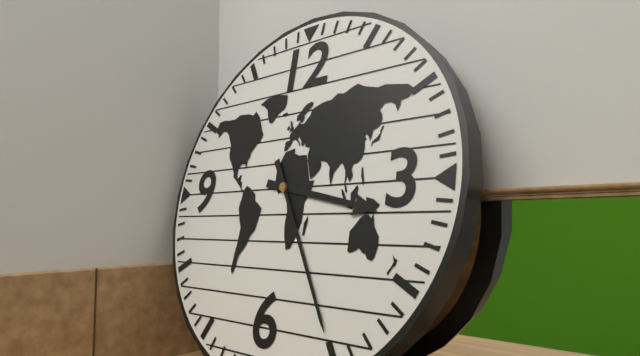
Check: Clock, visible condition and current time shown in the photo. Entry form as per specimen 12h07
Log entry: 3h25
